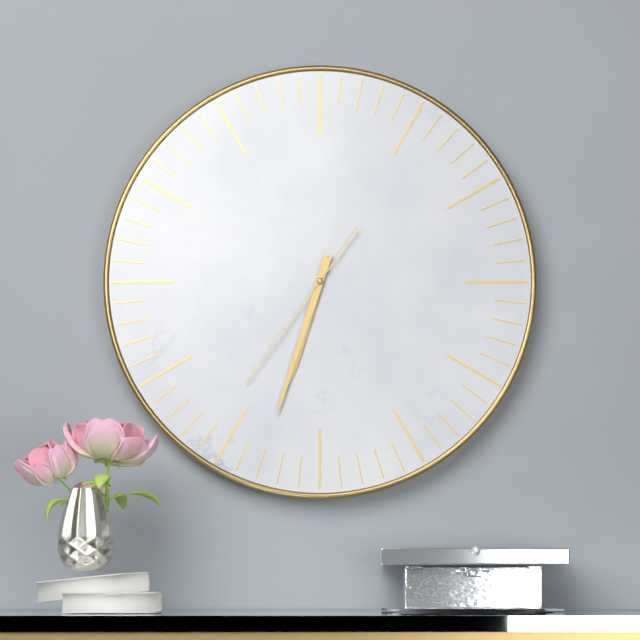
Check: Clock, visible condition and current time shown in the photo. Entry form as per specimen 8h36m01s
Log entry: 6h33m36s
